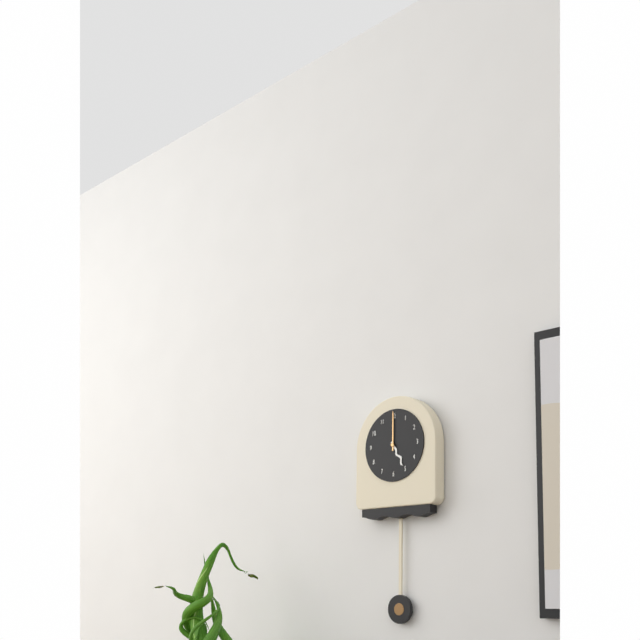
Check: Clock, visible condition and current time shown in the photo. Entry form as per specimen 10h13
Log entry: 5h00
